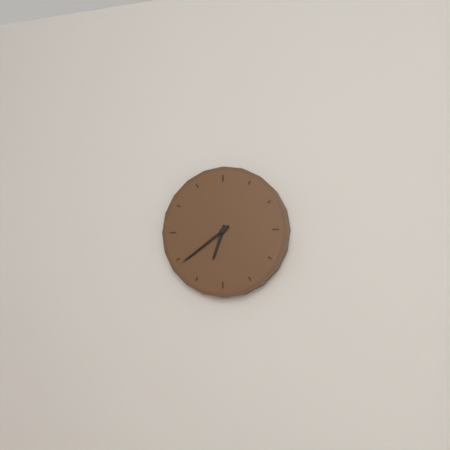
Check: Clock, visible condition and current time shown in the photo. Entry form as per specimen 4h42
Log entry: 6h39
